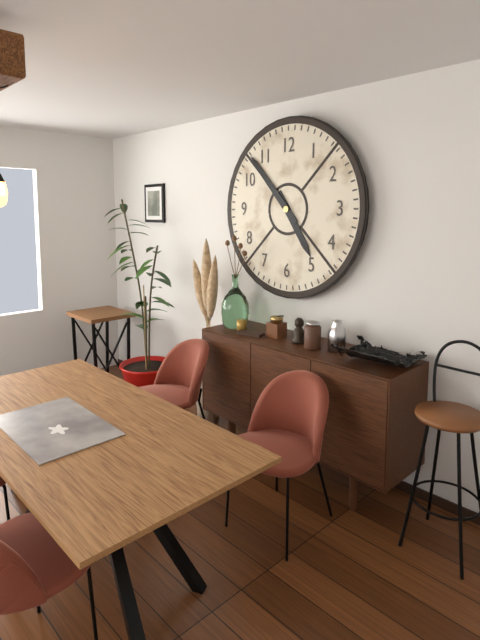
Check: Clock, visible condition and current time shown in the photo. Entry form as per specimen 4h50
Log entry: 4h53
